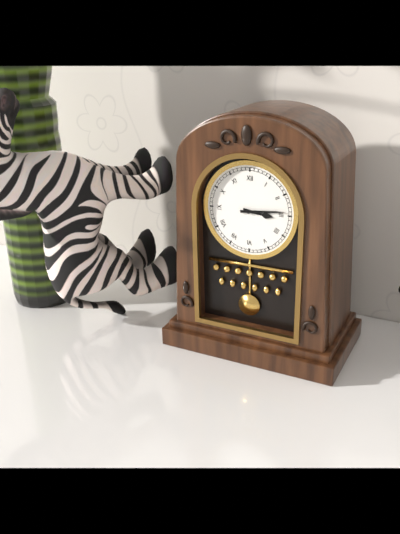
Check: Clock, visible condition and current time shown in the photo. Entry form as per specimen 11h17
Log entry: 3h14
